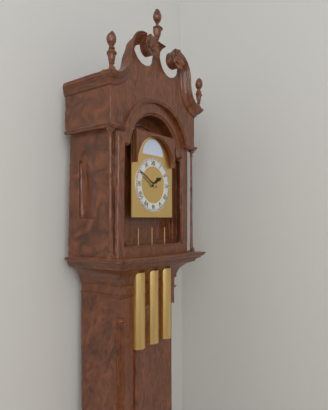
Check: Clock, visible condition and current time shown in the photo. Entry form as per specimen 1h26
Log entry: 1h50
